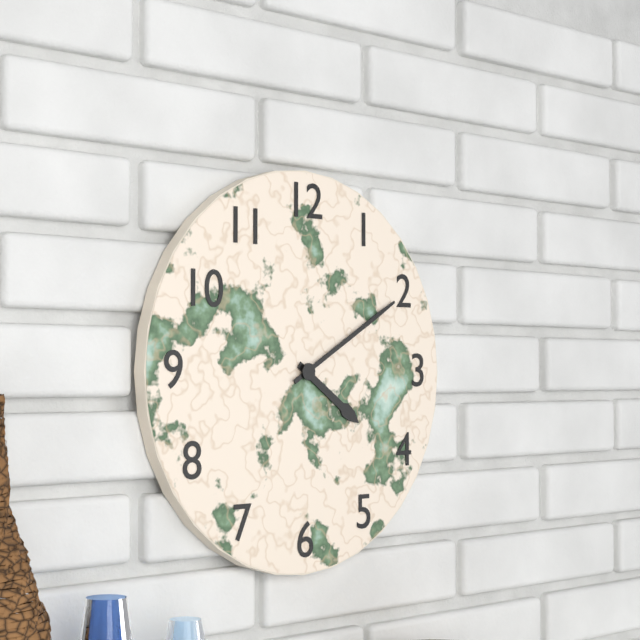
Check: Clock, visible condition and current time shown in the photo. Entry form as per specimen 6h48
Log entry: 4h10
